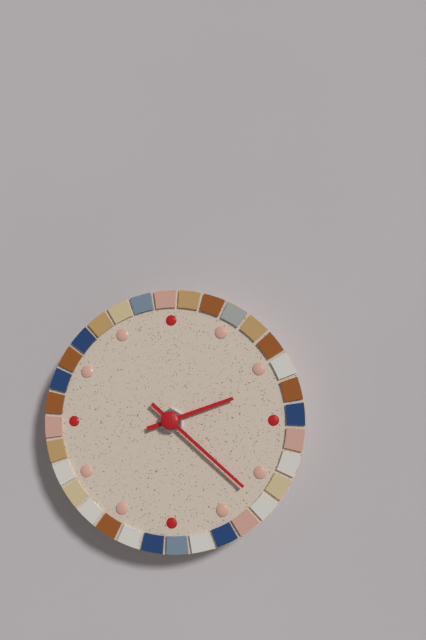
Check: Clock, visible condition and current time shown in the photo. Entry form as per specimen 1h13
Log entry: 2h22
